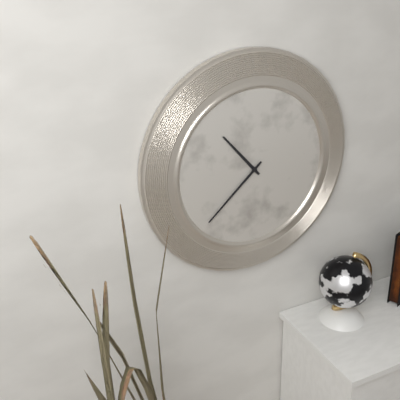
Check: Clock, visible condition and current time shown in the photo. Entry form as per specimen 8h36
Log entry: 10h38
